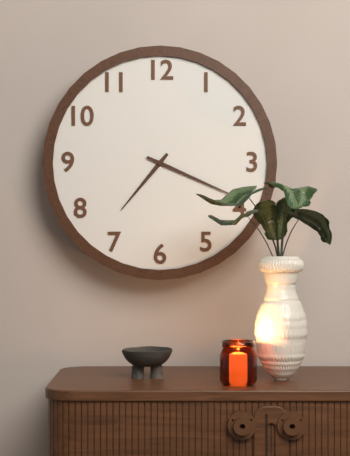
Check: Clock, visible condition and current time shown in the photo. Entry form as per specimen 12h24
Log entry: 7h19
